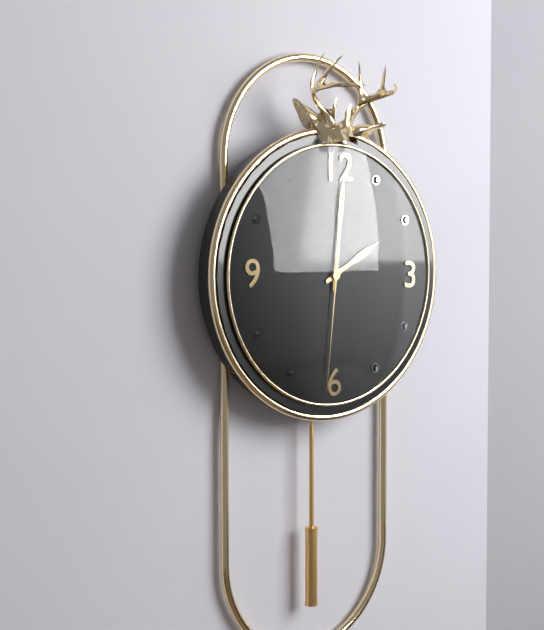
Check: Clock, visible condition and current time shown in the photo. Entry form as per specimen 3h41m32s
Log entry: 2h01m31s
